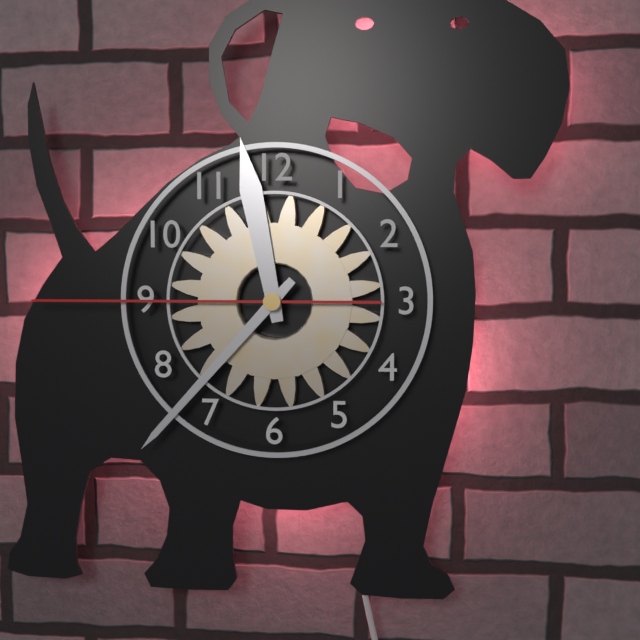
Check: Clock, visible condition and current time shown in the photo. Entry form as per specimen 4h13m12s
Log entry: 11h37m45s
